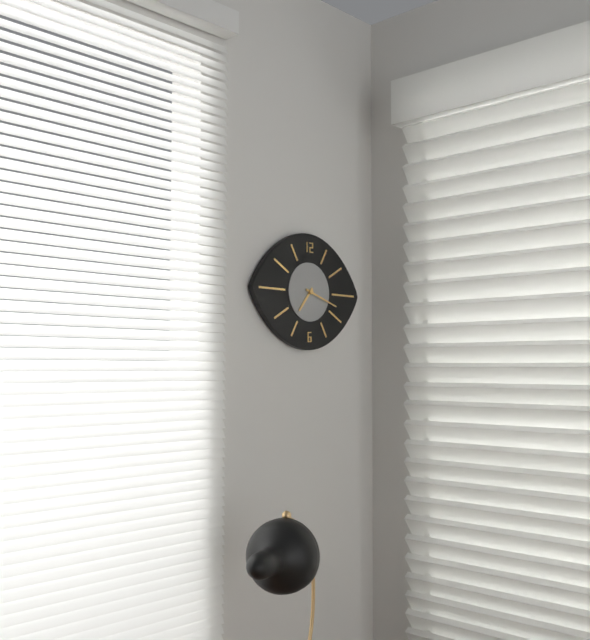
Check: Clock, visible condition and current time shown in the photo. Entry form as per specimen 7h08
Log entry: 7h18
